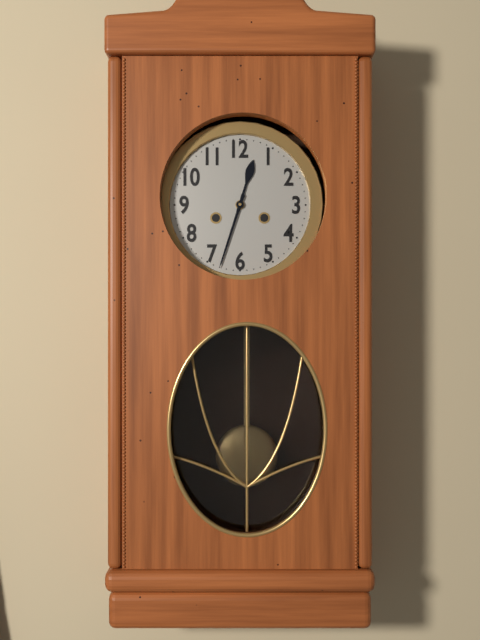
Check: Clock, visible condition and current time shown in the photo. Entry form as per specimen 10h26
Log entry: 12h33
